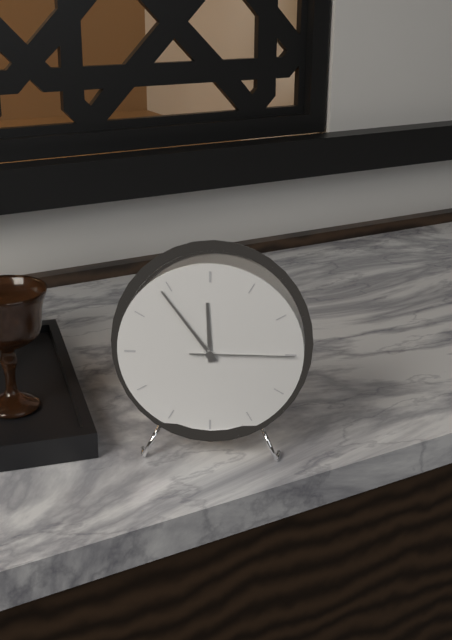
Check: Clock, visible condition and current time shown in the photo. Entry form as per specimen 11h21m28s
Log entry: 11h54m15s
